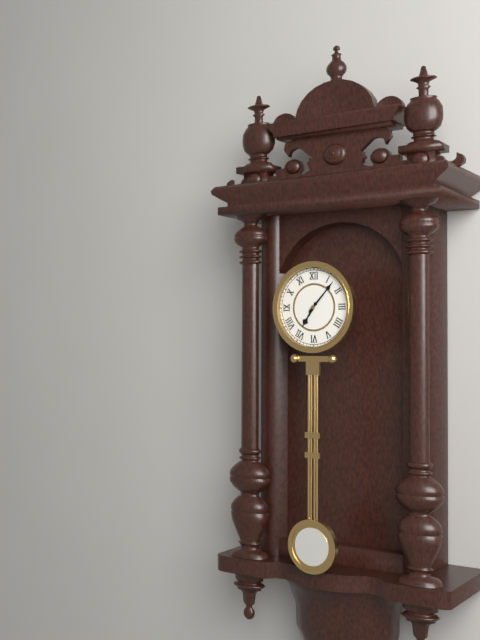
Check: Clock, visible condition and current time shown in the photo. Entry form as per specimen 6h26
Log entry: 7h07
